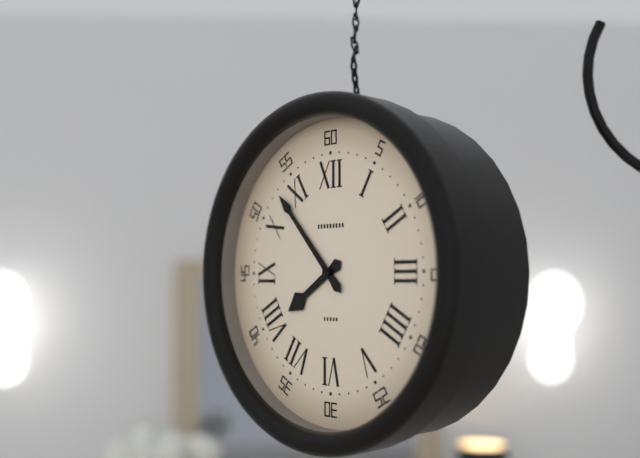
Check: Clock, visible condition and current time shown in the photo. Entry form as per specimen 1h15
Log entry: 7h53
